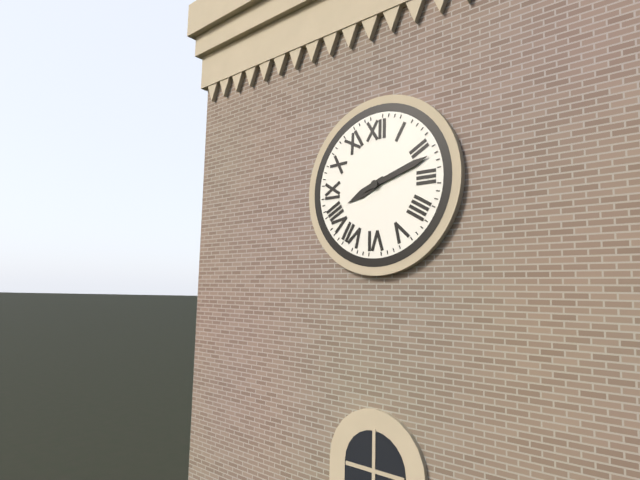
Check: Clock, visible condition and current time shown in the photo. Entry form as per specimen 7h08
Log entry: 8h12
